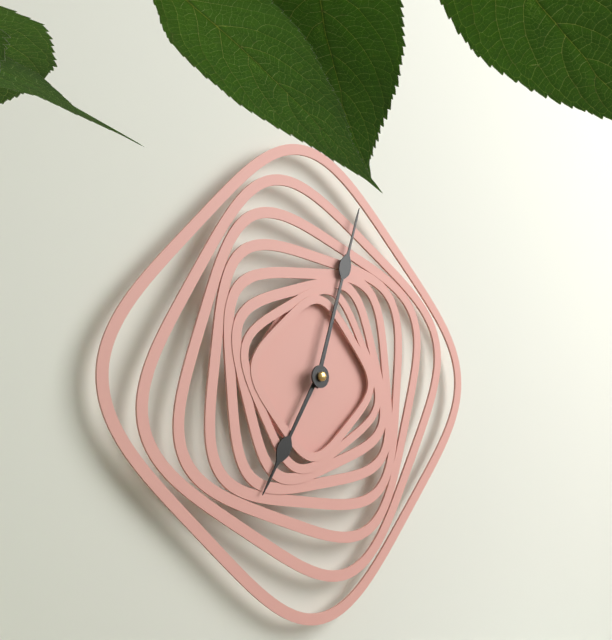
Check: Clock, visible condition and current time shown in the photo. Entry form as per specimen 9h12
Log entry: 7h03
